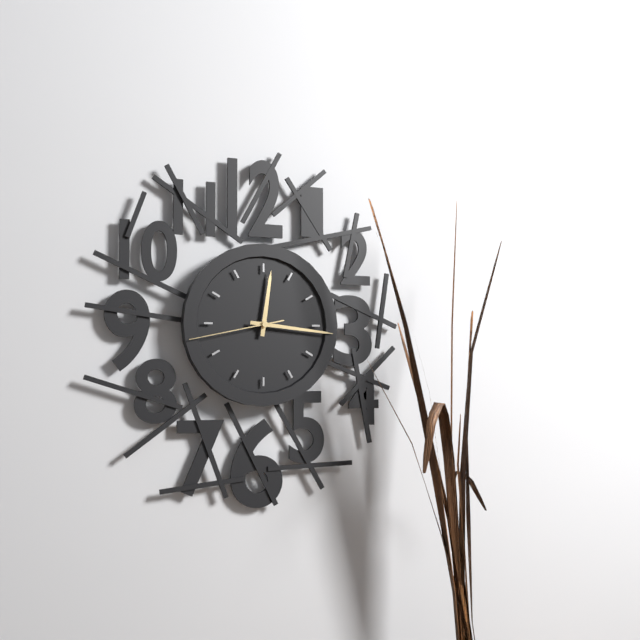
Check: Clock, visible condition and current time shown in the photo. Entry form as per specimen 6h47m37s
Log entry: 12h16m43s
